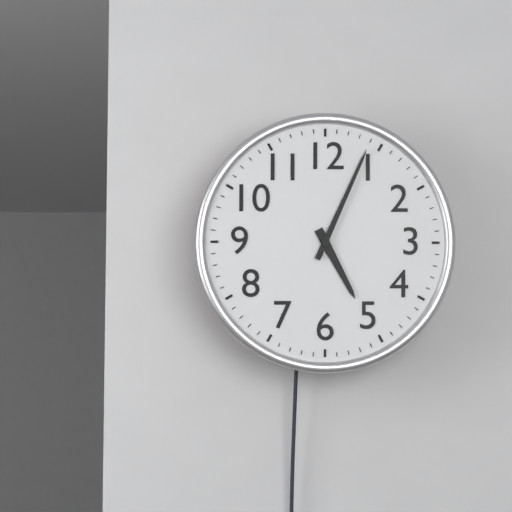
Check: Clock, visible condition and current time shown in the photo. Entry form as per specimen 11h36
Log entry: 5h04
